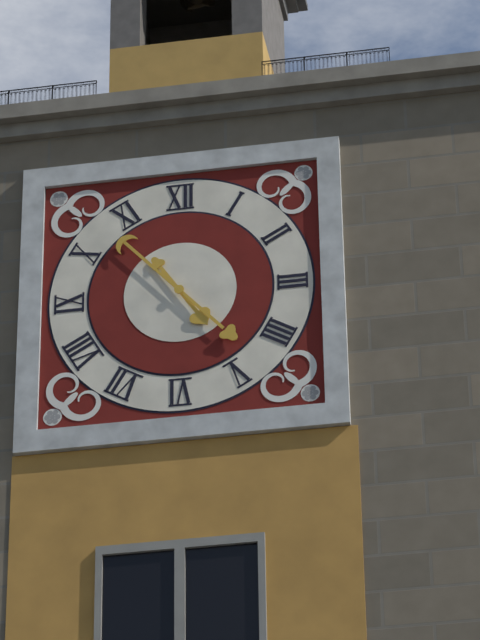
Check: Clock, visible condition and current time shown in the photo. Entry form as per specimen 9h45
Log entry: 4h53
